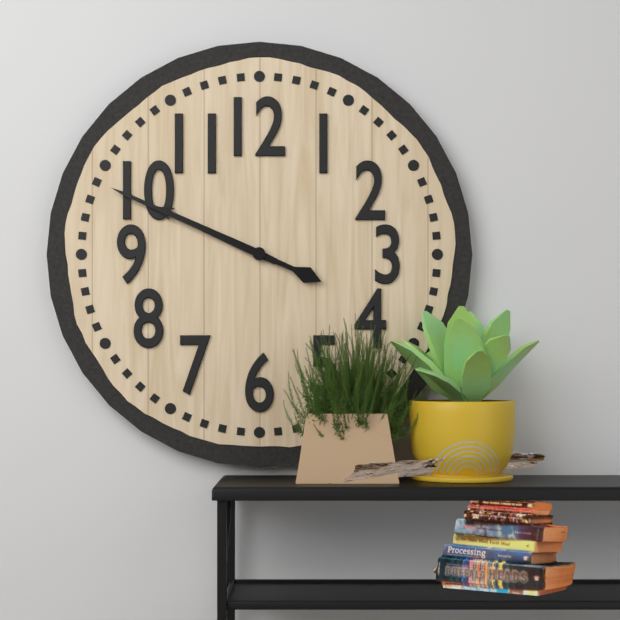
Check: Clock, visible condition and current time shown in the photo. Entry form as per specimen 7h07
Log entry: 9h49
